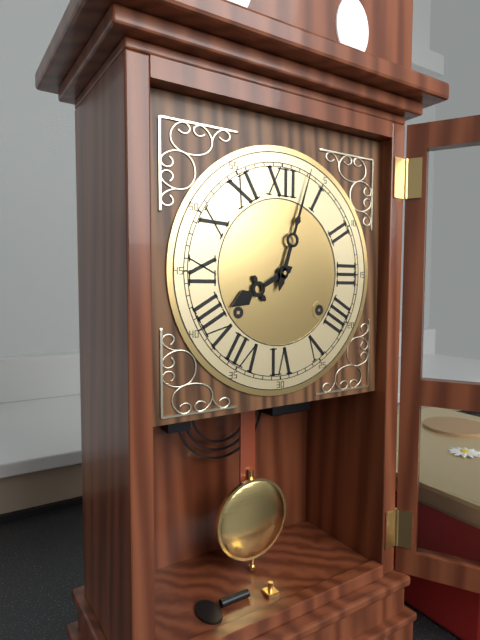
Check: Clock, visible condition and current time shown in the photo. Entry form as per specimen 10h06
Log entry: 8h03
